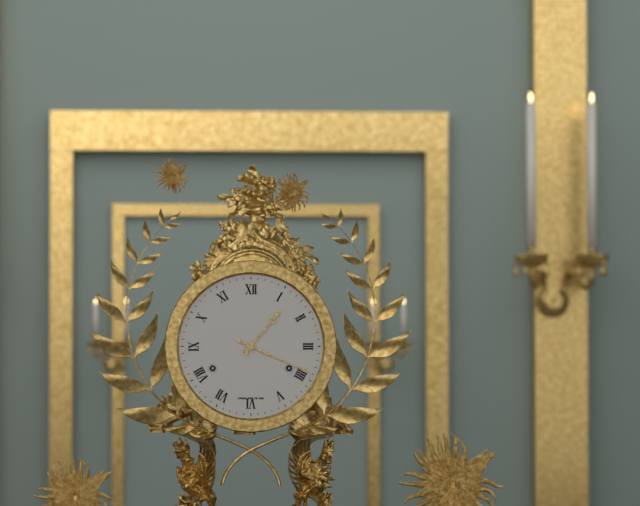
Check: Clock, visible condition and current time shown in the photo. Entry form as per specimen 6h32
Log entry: 1h19
